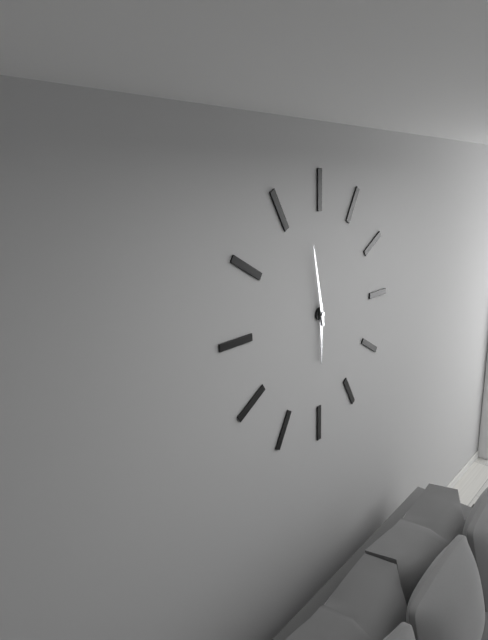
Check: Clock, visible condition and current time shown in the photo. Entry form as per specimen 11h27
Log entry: 5h58
